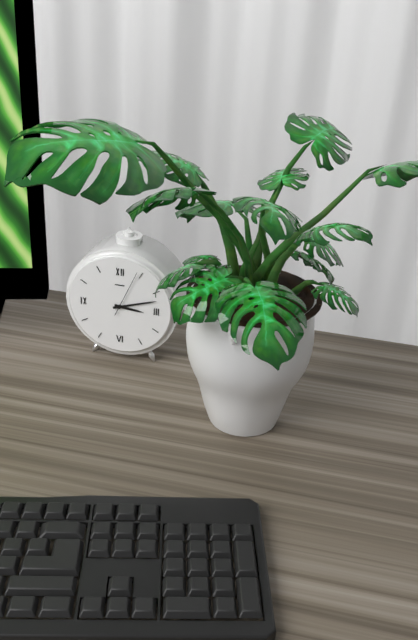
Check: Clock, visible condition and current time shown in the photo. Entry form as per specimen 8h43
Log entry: 3h12
